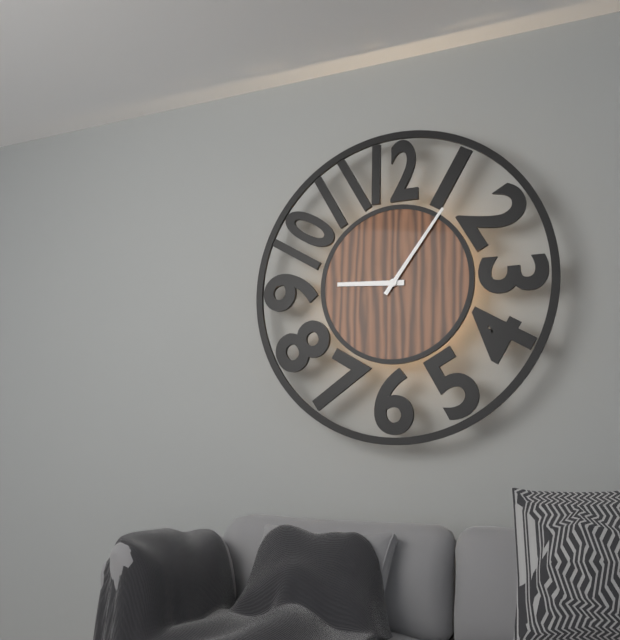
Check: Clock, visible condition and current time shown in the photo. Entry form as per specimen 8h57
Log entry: 9h06
